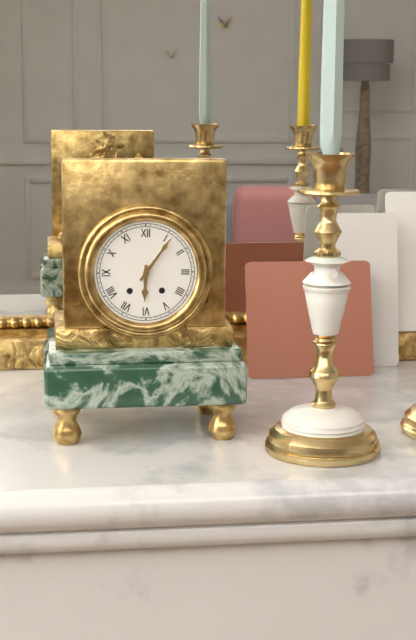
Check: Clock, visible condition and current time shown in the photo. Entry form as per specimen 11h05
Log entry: 6h06
